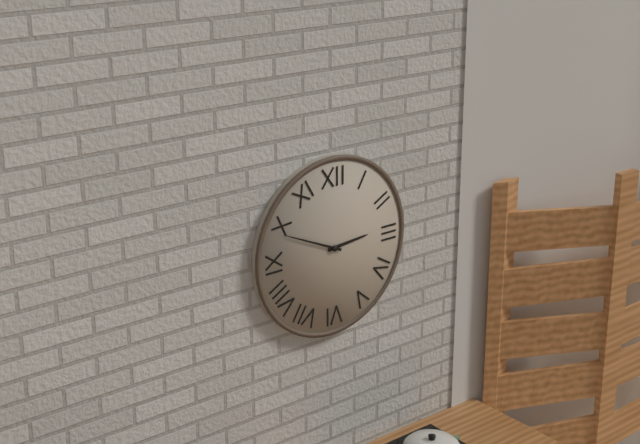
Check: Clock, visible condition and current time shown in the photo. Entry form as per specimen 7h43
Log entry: 2h49
